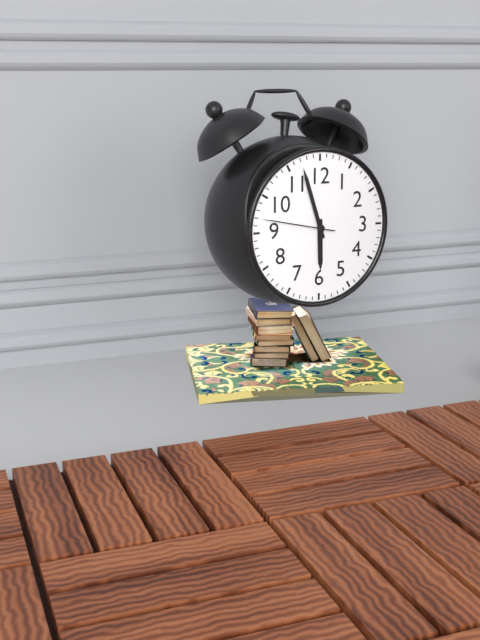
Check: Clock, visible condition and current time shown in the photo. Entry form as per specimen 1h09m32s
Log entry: 5h57m47s
